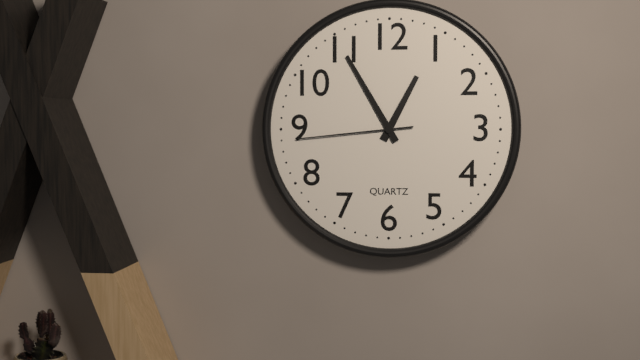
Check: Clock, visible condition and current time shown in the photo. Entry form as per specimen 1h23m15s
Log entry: 12h55m44s
